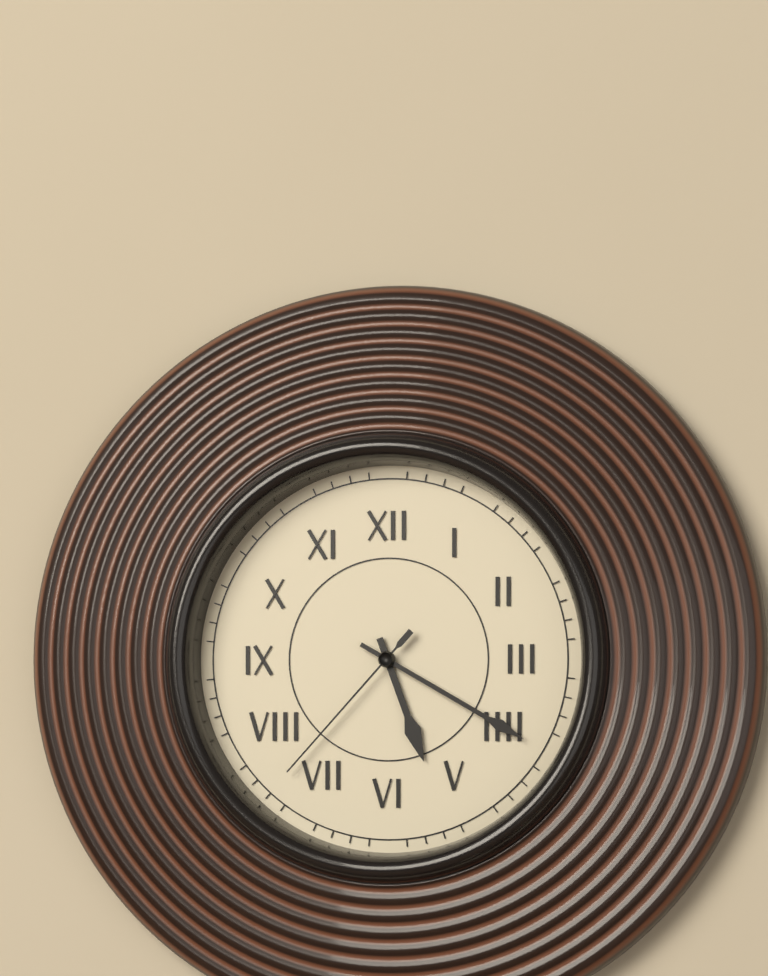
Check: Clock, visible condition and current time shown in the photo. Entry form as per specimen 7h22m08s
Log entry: 5h20m37s
